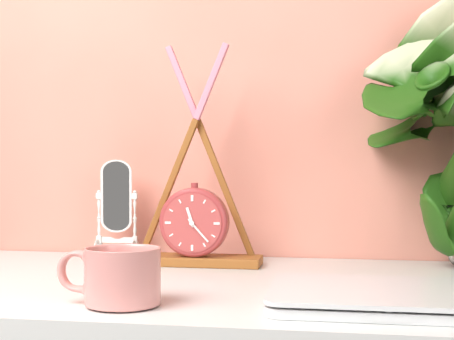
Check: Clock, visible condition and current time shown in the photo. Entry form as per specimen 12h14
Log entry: 11h23
